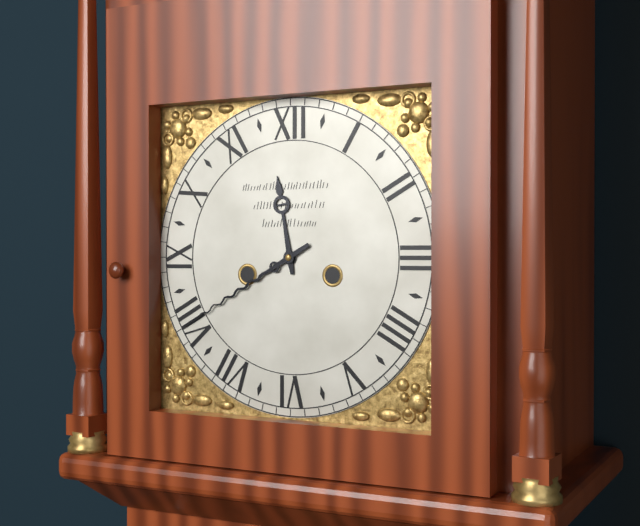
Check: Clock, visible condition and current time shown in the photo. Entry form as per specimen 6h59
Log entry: 11h40
